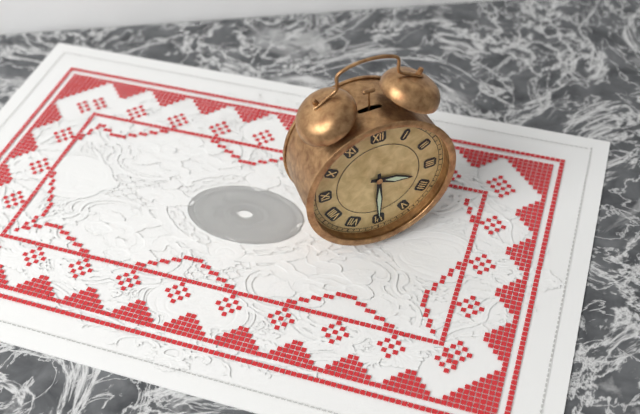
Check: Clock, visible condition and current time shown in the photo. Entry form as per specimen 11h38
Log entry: 3h30
